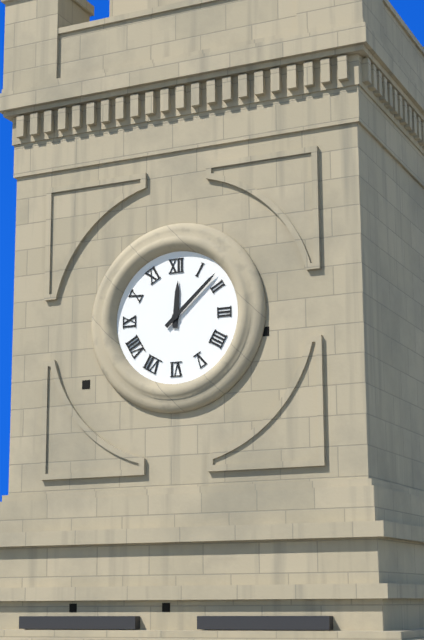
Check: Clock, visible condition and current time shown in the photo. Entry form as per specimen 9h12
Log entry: 12h08
